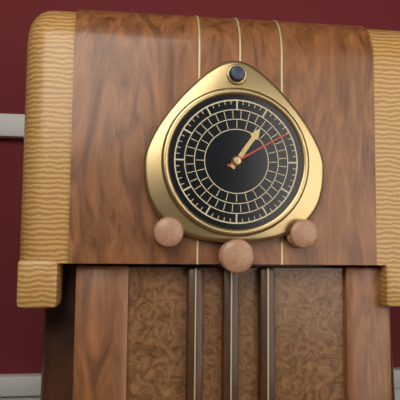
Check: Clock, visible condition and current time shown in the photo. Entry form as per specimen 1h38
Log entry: 1h10
